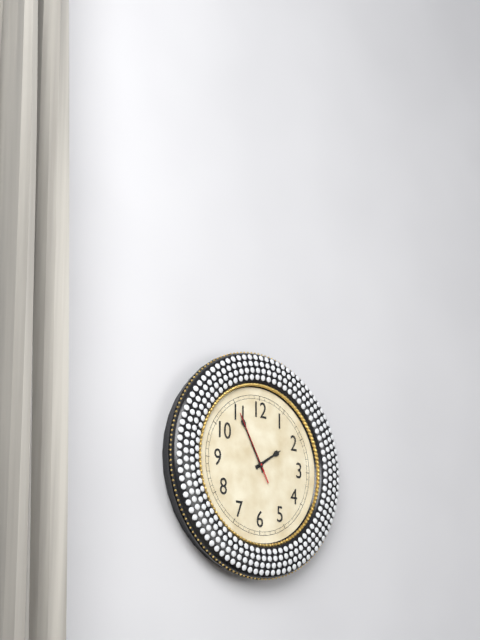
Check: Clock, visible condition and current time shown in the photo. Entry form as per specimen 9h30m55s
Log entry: 1h55m55s
